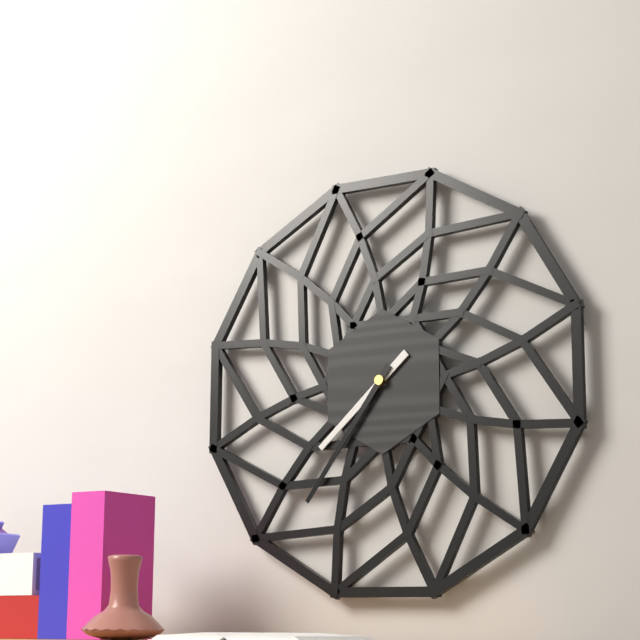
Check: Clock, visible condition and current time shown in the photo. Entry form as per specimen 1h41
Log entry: 7h36
